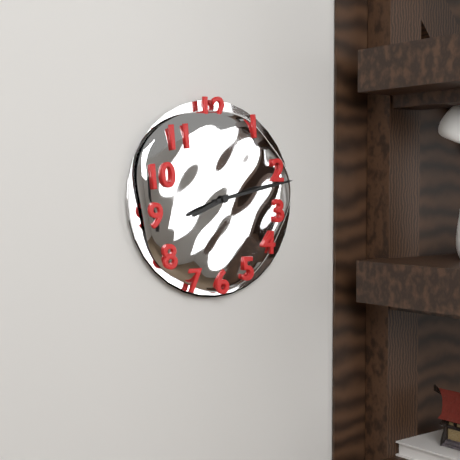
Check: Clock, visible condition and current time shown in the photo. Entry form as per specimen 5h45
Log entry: 8h13
